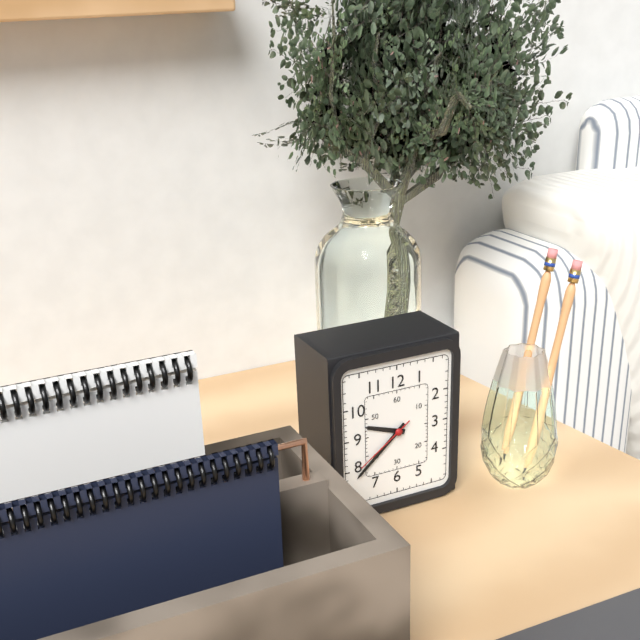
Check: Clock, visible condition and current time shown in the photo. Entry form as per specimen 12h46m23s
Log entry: 9h38m39s
